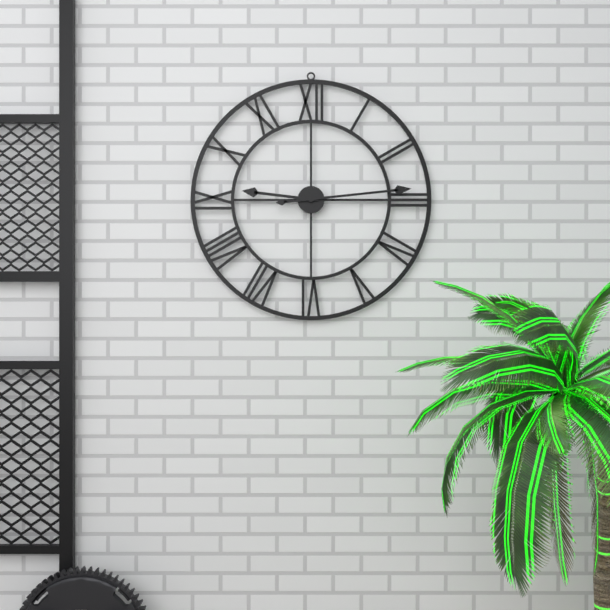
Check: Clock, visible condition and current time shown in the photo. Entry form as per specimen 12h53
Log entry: 9h14
